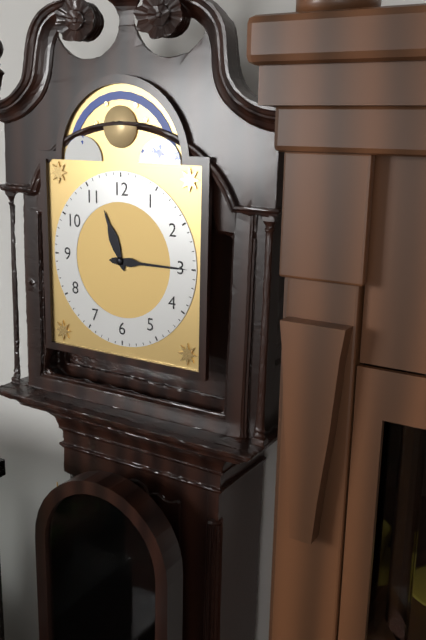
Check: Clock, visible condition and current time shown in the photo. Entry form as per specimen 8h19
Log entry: 11h15
